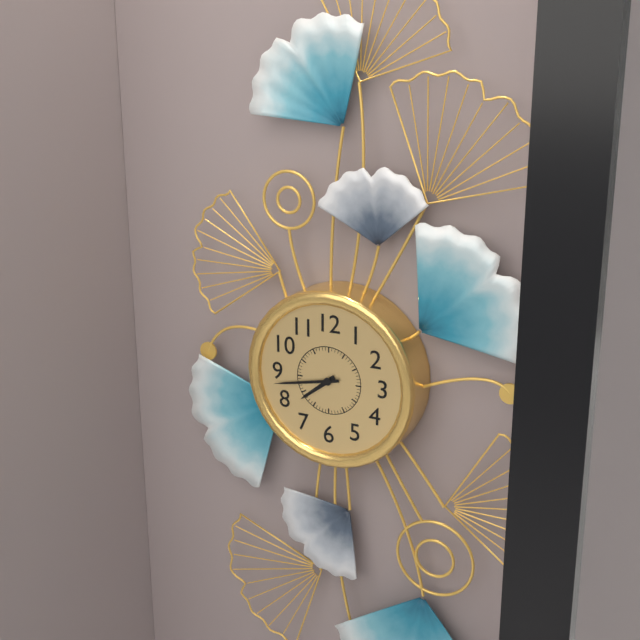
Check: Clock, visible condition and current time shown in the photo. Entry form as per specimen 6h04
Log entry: 7h43
